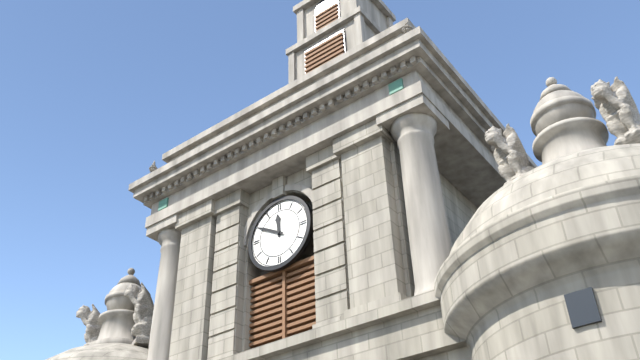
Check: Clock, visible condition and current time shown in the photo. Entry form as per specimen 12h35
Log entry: 11h50
